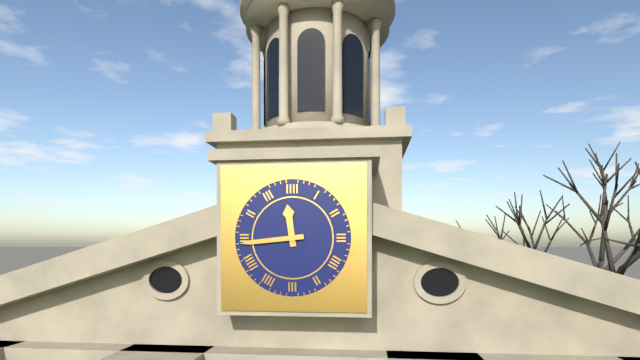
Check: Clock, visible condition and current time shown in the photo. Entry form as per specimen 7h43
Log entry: 11h44
